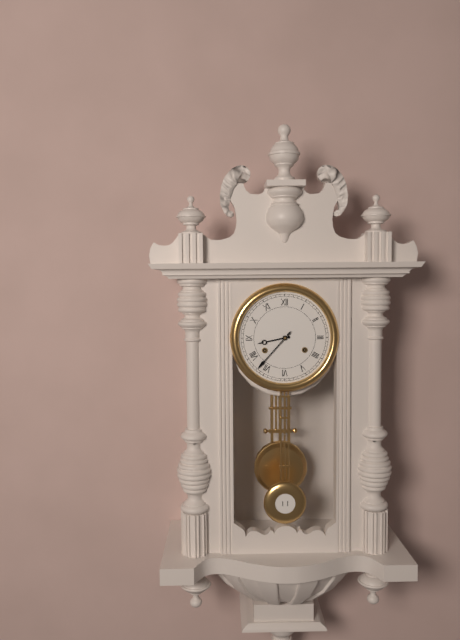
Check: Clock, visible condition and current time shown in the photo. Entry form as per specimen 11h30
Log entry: 8h37
